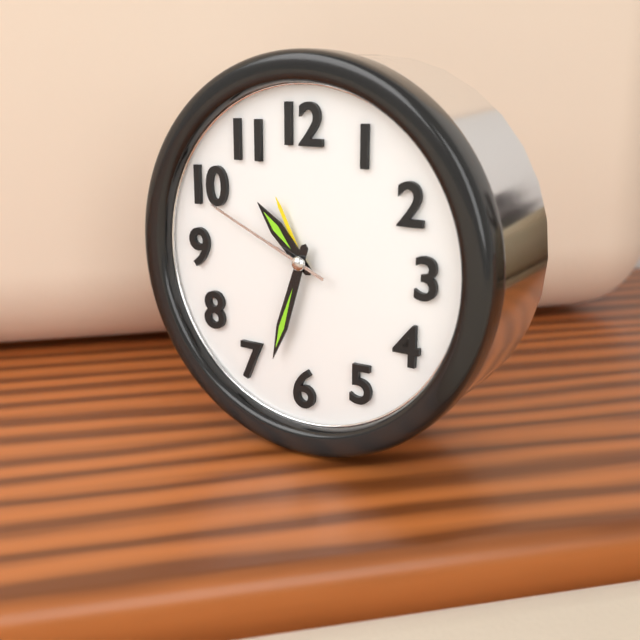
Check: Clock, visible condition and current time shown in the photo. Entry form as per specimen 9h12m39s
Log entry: 10h33m49s
